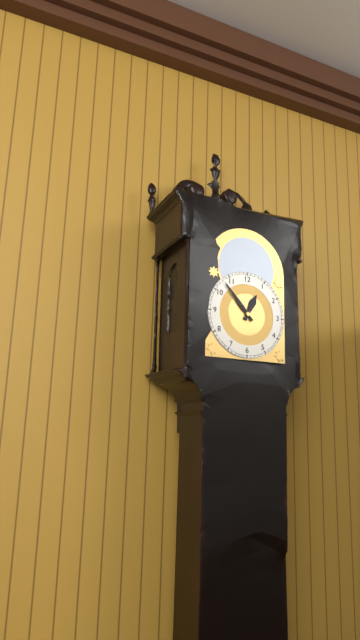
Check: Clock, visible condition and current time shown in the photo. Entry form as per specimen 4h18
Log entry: 12h53
